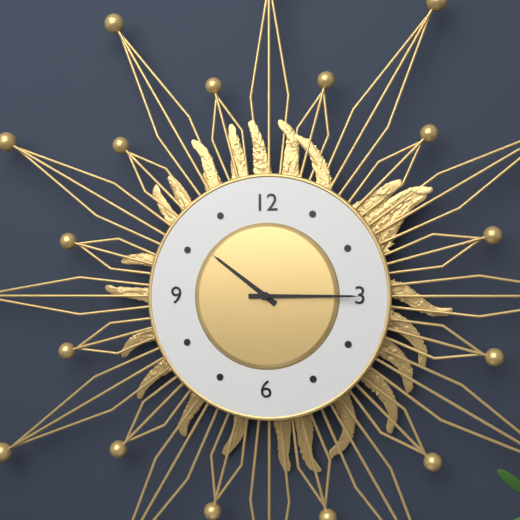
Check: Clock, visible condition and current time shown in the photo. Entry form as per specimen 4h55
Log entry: 10h15
